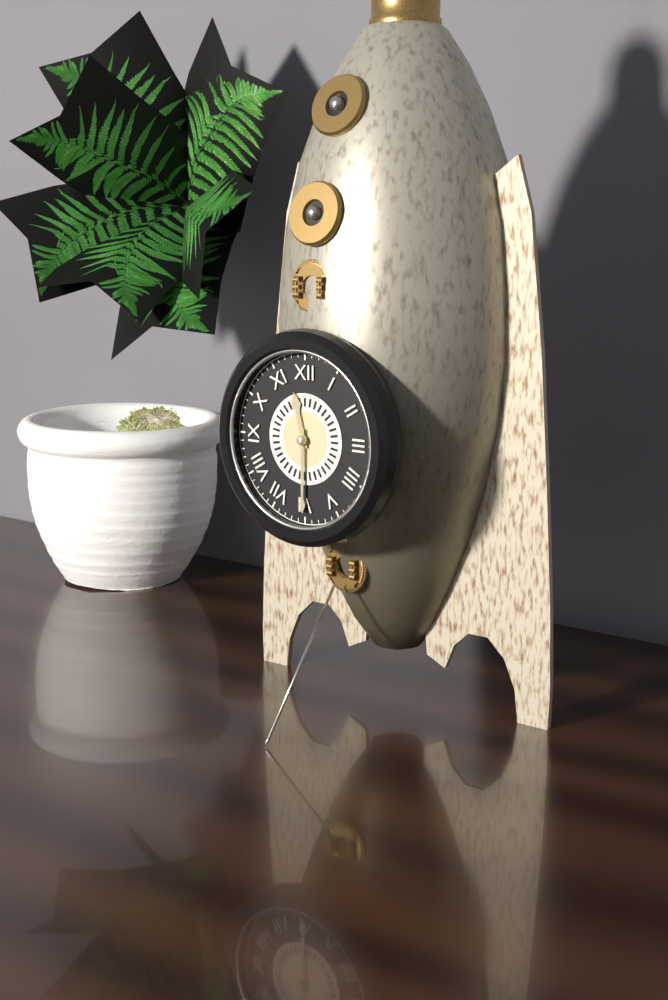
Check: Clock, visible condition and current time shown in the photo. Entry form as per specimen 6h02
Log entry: 11h30
